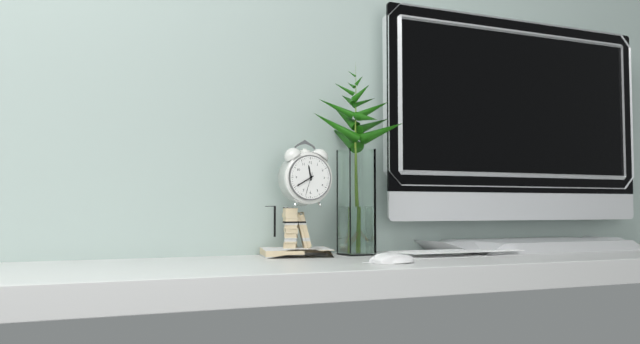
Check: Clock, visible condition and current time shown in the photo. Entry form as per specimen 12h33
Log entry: 11h40
